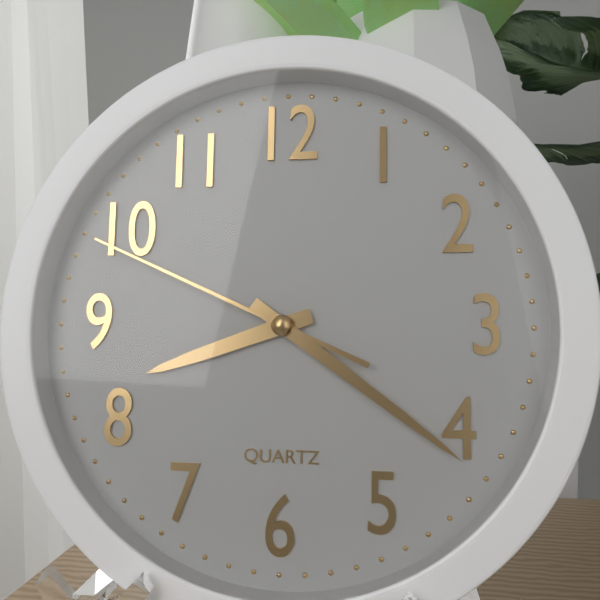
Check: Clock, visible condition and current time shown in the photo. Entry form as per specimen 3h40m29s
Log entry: 8h21m49s
